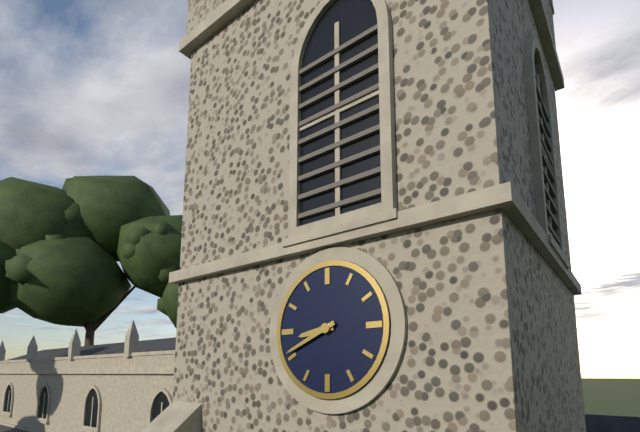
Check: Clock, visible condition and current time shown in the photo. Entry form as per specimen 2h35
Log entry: 8h41
